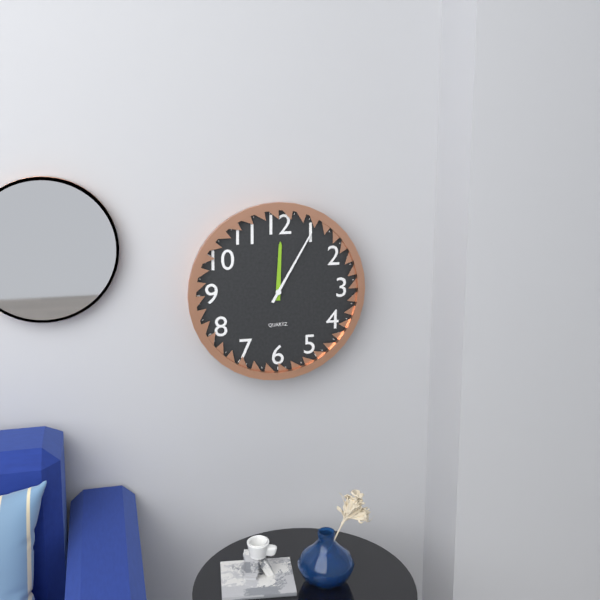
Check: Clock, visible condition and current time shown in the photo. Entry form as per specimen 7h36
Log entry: 12h05
